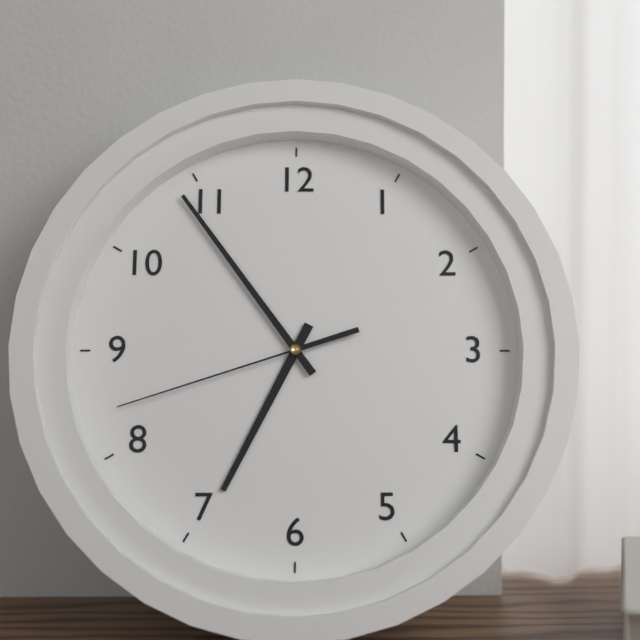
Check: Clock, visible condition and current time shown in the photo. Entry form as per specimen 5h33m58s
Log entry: 6h54m42s
